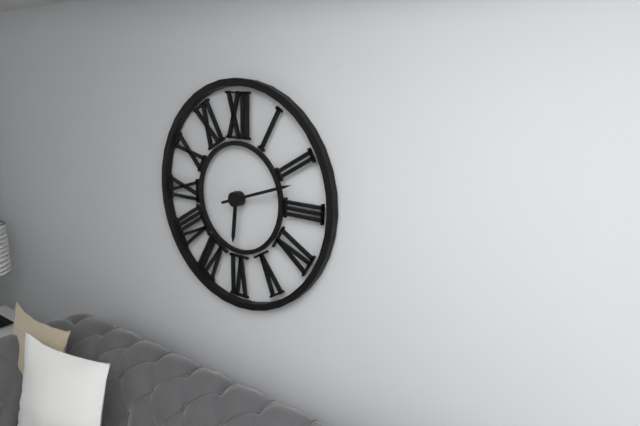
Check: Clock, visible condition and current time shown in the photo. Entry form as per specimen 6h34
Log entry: 6h12
